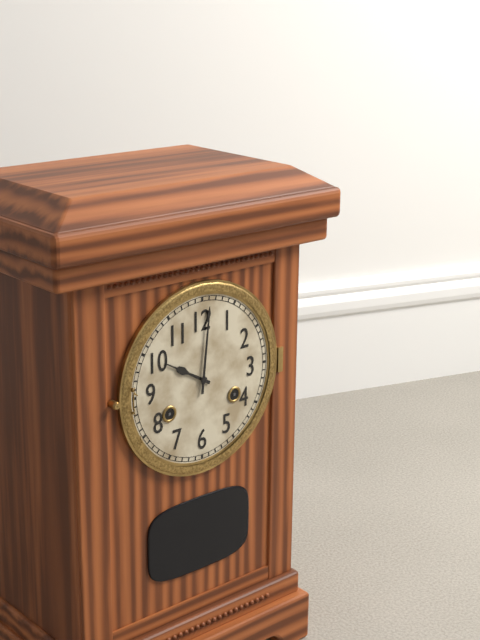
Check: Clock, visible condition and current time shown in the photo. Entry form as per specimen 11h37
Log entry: 10h01
